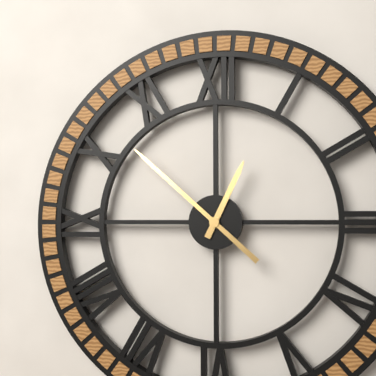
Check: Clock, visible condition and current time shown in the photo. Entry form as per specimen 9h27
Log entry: 12h52
